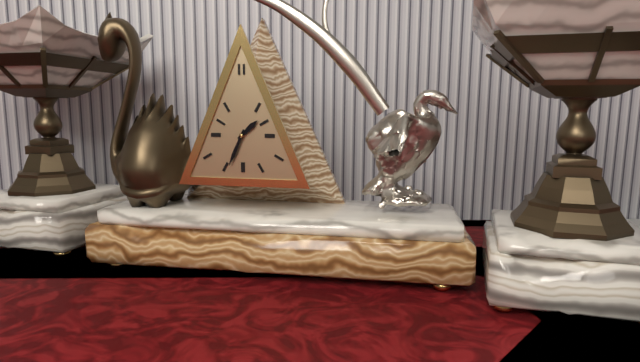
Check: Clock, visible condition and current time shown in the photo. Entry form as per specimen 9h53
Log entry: 1h34
